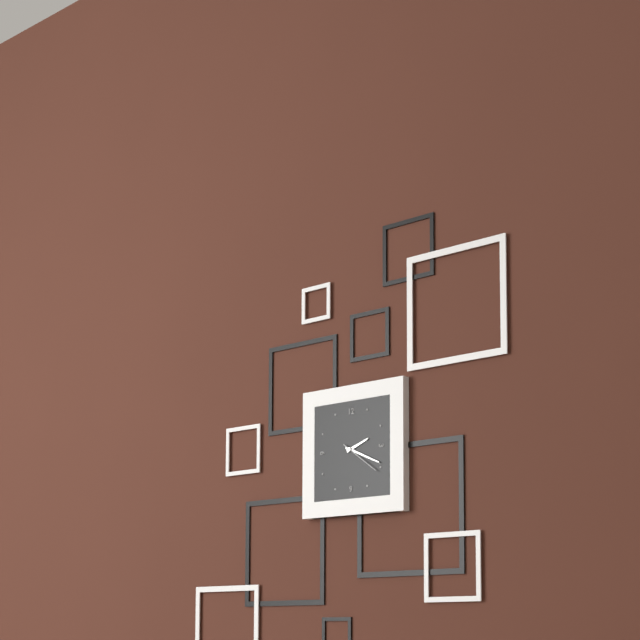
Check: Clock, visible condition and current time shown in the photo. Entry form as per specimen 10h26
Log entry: 2h19
